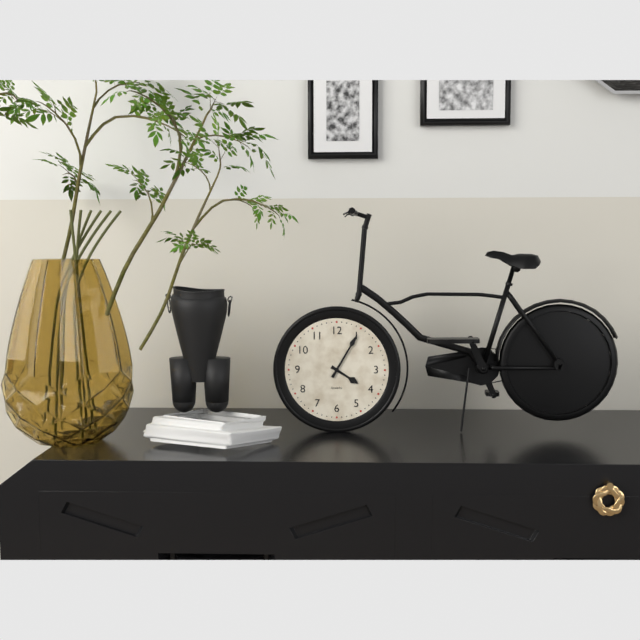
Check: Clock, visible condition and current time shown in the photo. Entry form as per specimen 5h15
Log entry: 4h05
